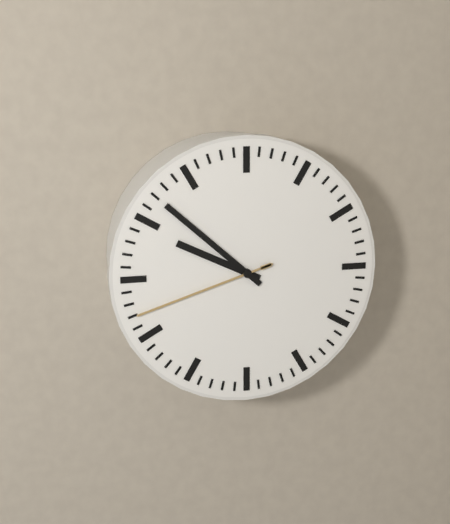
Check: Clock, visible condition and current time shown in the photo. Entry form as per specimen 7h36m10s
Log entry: 9h52m42s
